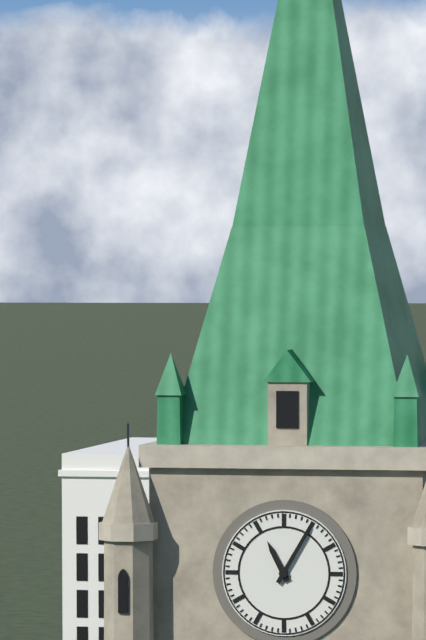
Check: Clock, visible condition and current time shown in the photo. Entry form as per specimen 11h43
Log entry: 11h05
